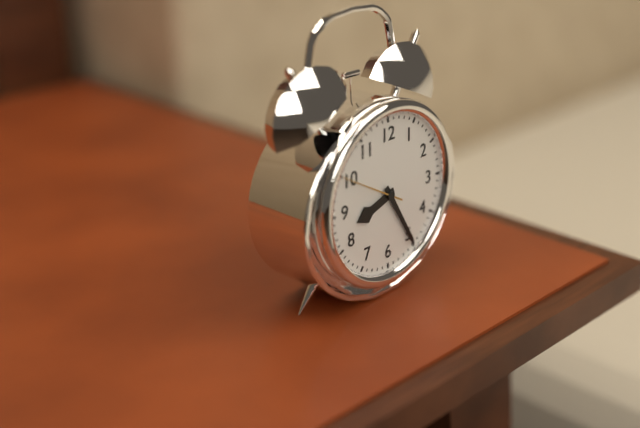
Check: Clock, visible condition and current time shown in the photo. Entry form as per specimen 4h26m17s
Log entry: 8h25m50s
